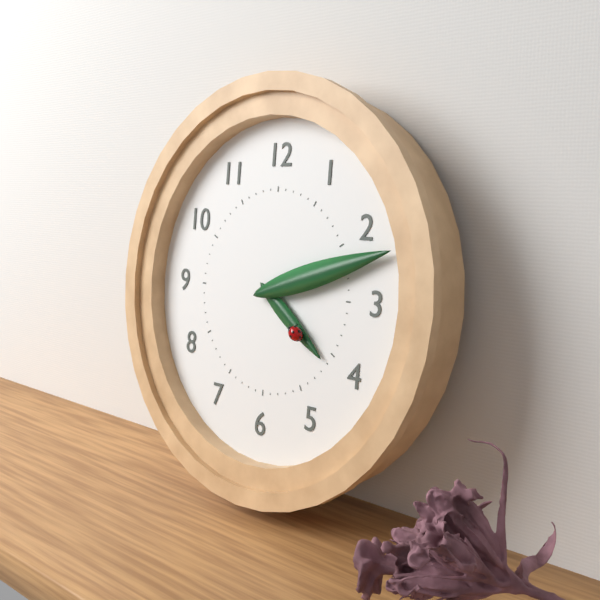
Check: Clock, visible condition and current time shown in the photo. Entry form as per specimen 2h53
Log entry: 4h12
